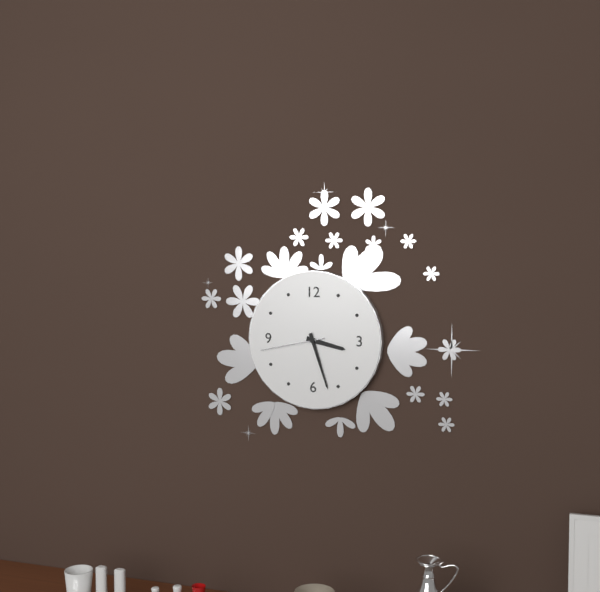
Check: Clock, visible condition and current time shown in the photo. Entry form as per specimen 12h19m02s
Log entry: 3h27m43s
